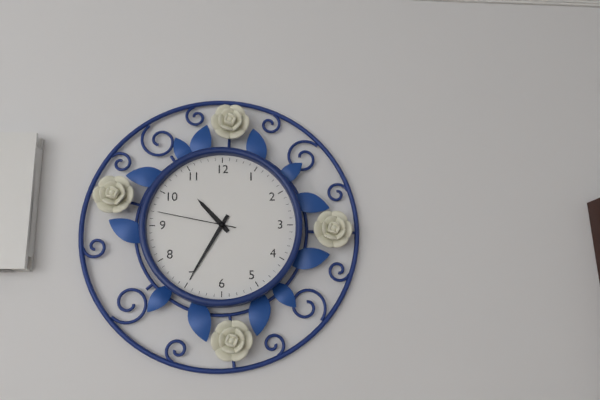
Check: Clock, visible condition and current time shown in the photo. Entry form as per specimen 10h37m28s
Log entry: 10h35m47s
